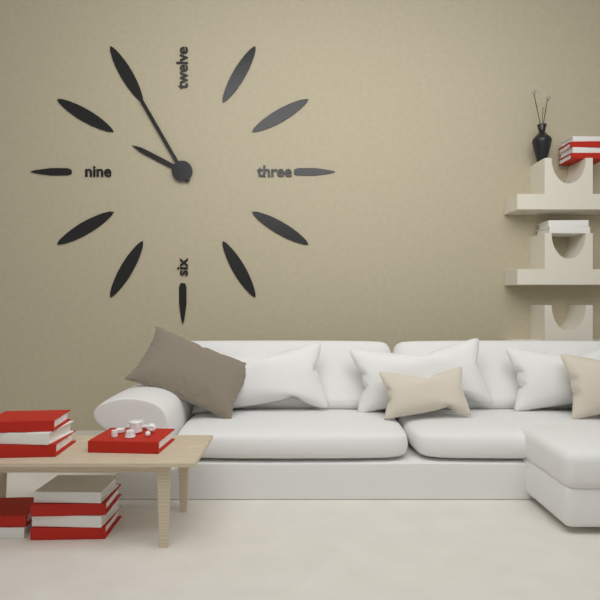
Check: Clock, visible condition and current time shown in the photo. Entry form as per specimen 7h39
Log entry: 9h55
